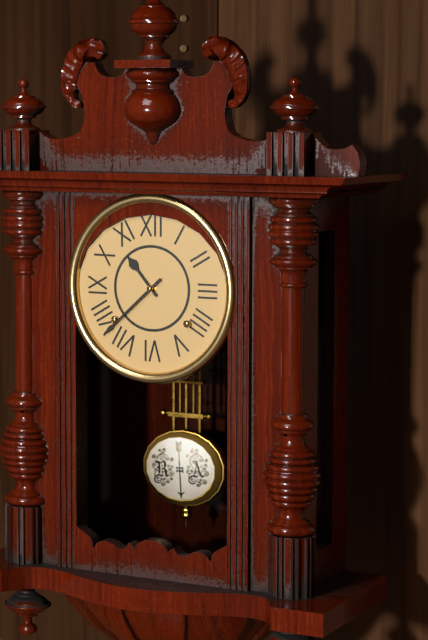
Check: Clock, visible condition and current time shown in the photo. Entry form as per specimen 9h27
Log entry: 10h38
